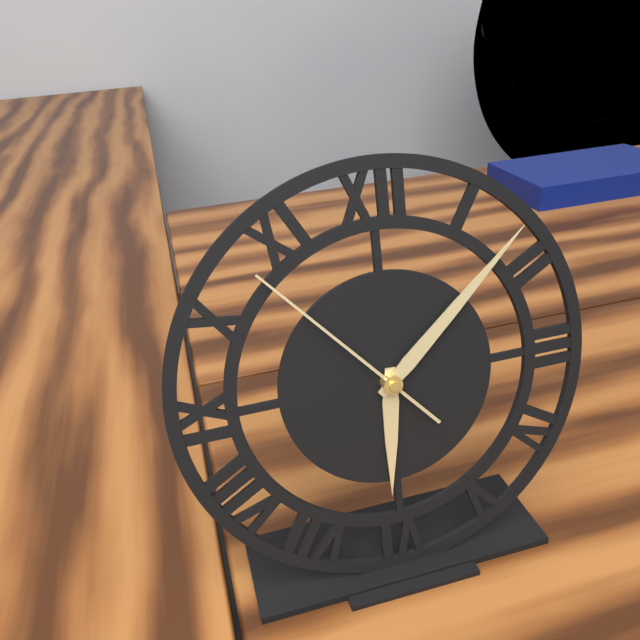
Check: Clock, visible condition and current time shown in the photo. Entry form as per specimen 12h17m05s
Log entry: 6h08m53s
